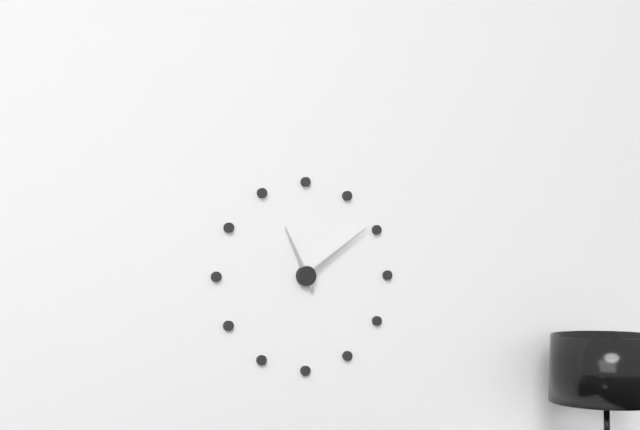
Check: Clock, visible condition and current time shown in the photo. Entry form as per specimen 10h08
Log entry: 11h09
